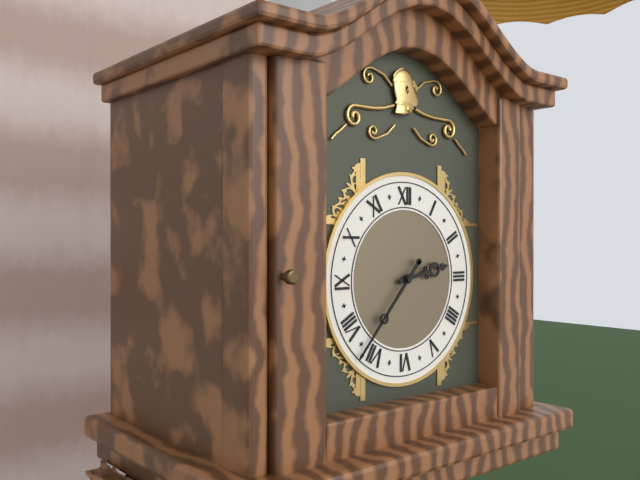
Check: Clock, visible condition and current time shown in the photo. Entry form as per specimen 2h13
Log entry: 2h37
